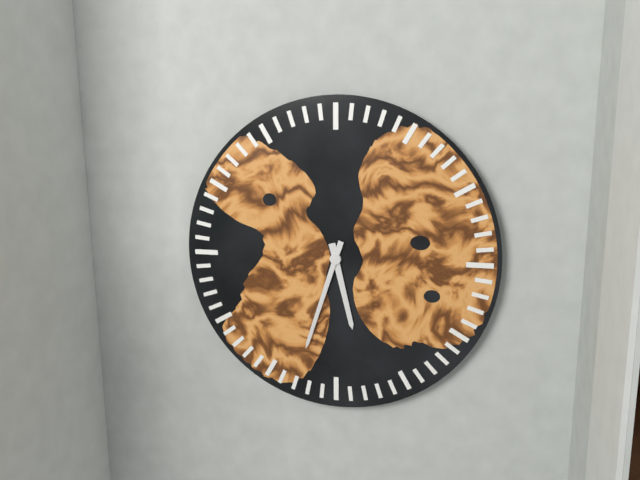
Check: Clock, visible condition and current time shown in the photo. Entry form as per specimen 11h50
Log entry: 5h33
